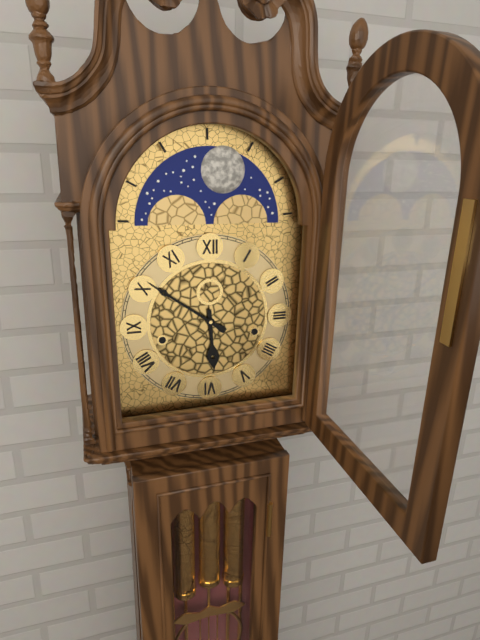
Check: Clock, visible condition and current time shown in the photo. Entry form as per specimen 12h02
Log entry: 5h51
